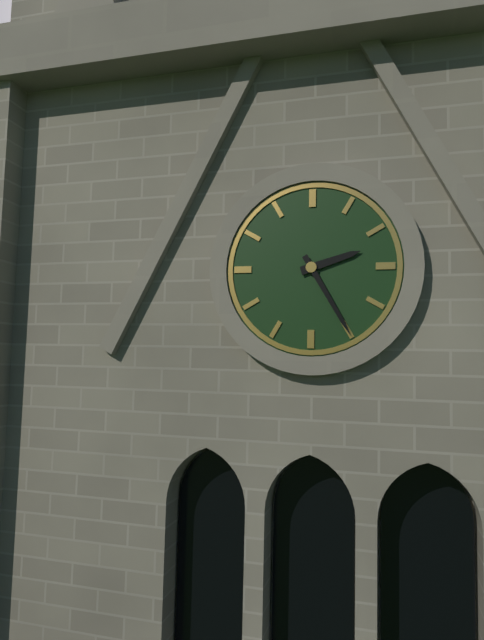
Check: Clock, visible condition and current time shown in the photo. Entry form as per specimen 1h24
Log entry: 2h25
